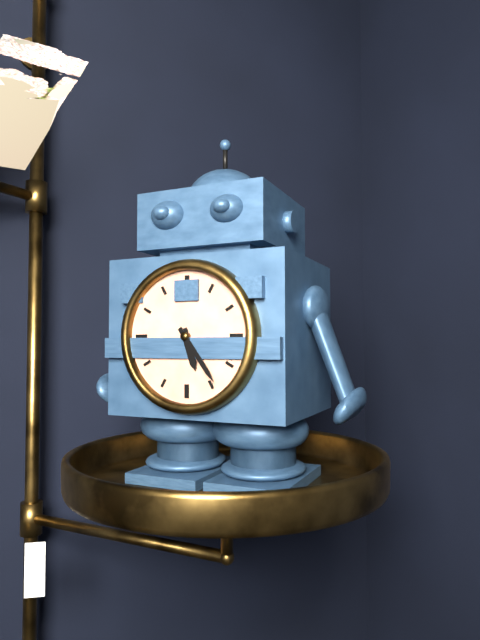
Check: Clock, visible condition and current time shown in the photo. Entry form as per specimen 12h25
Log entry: 5h24
